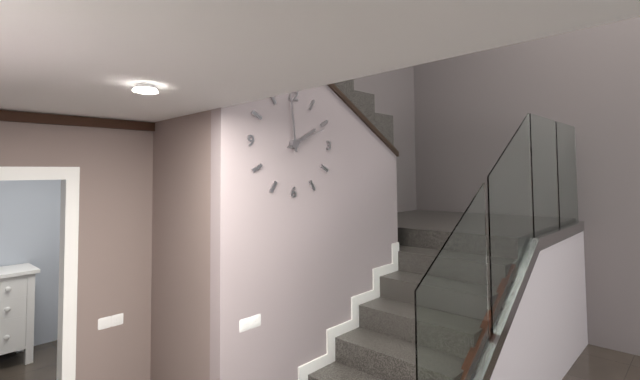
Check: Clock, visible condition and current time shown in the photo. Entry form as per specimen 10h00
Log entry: 1h59
